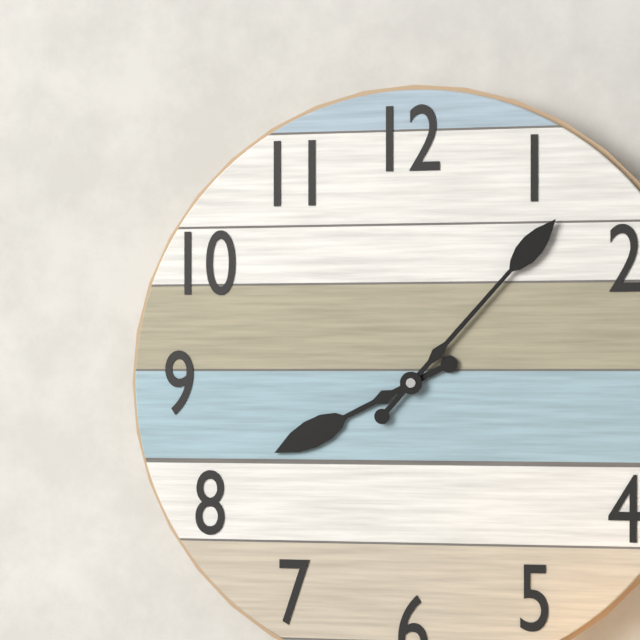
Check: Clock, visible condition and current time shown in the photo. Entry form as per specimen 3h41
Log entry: 8h07
